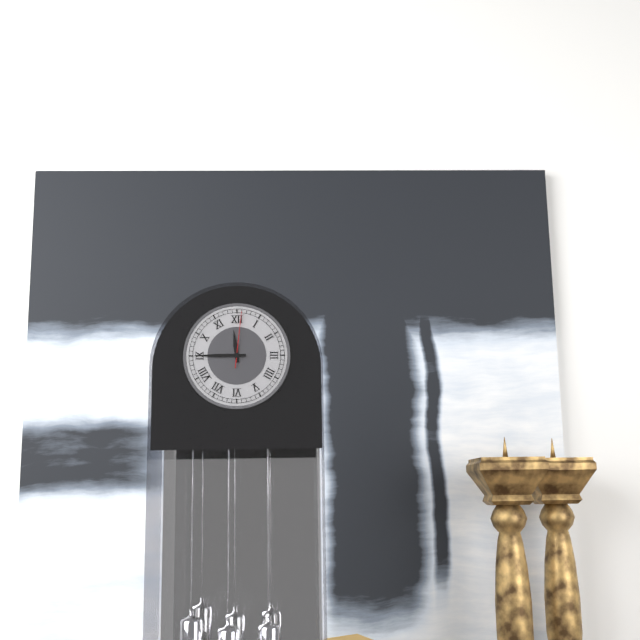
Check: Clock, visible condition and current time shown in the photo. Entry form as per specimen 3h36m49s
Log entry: 11h45m01s
